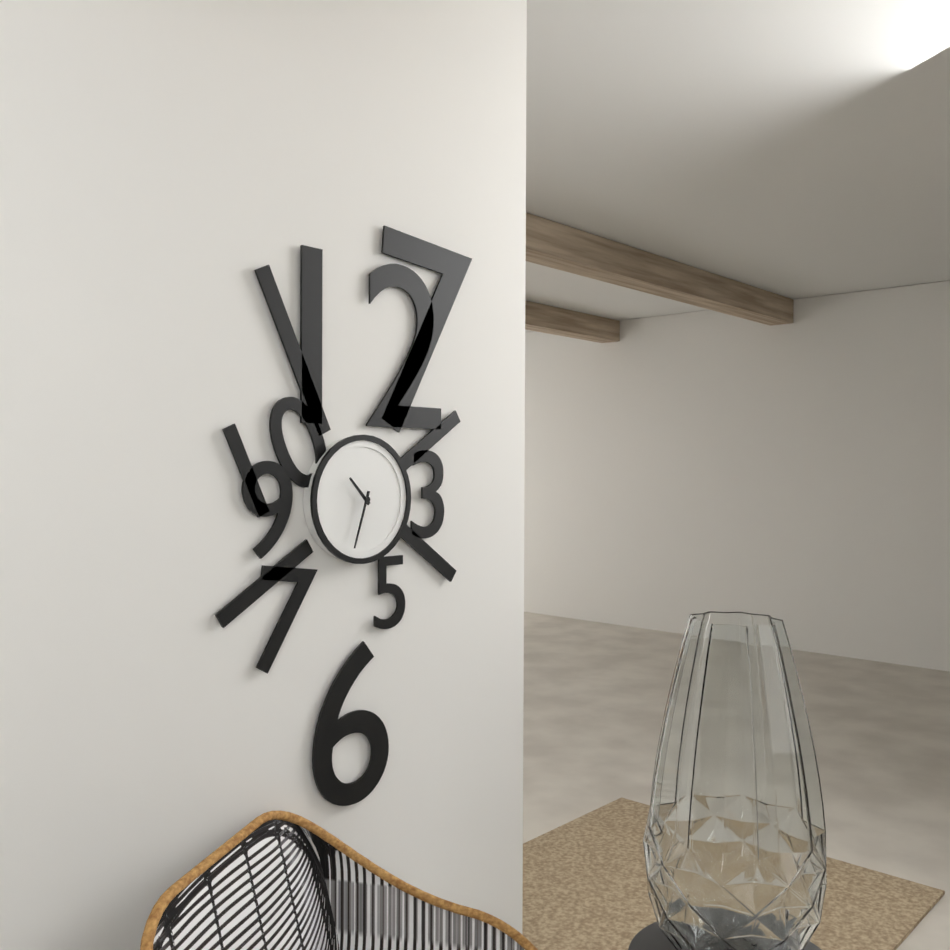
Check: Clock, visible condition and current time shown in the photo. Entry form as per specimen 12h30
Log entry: 10h33
